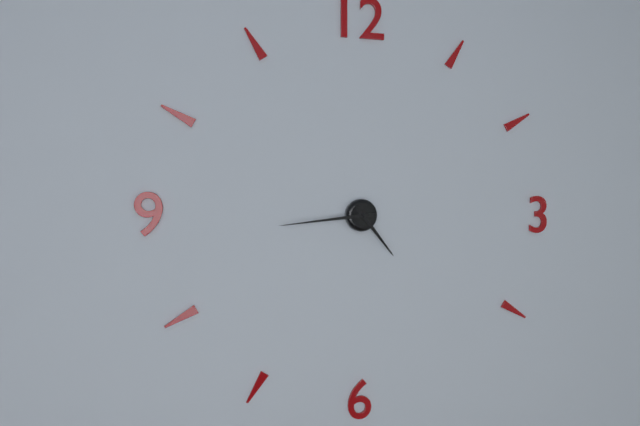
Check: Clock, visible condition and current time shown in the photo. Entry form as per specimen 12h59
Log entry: 4h44
